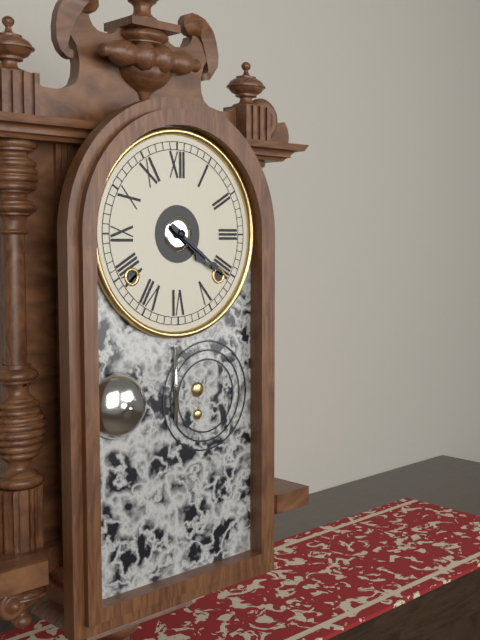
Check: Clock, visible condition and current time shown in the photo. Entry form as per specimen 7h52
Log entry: 4h21
